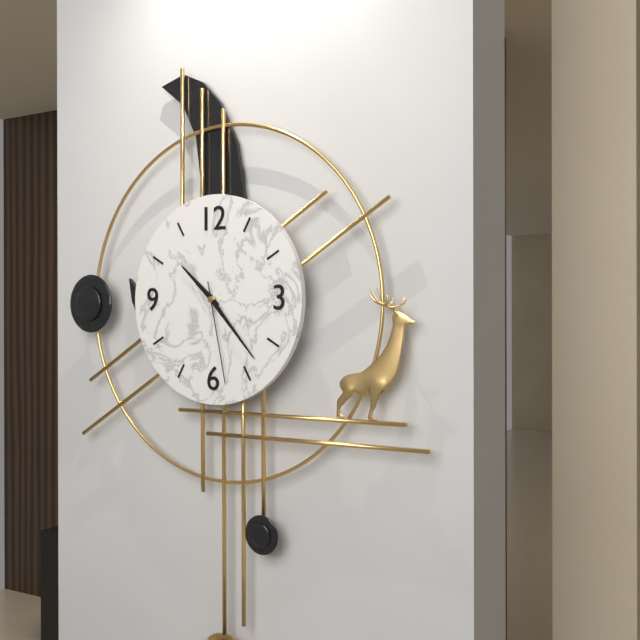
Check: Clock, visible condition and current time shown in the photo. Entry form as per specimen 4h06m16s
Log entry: 10h23m28s
